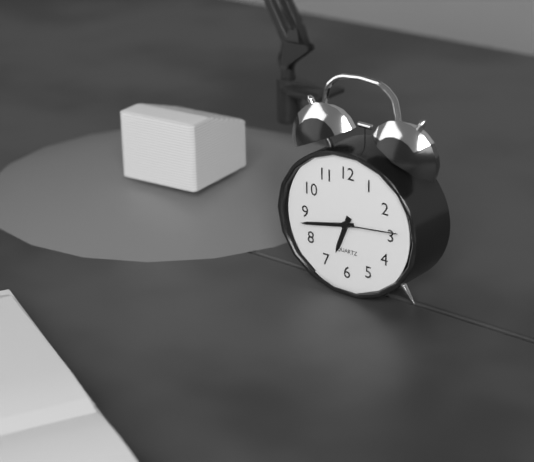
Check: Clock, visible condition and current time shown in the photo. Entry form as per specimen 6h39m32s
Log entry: 6h43m14s
